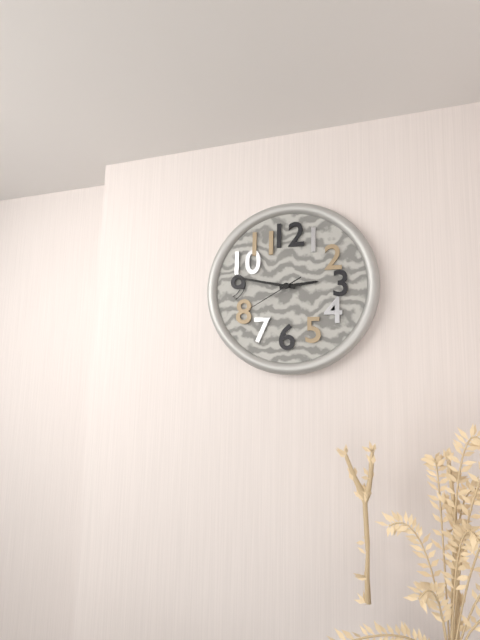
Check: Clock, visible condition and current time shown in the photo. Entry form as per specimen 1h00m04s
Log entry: 2h47m40s
